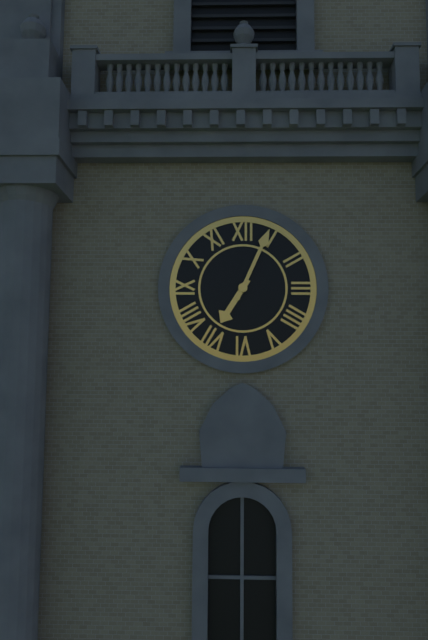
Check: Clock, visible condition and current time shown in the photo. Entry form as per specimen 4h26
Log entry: 7h04
